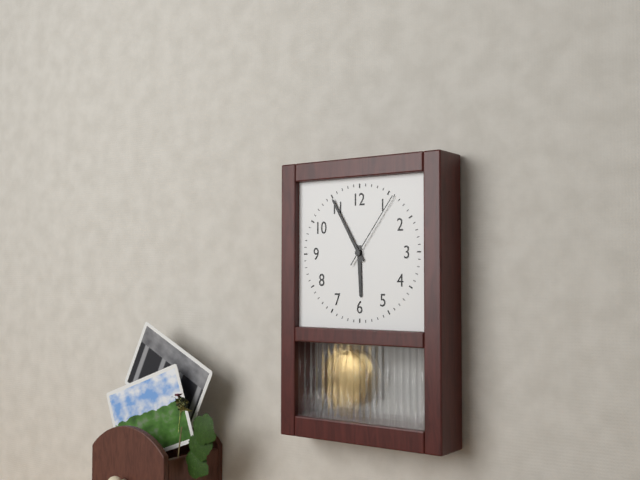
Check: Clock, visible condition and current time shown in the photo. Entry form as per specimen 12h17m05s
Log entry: 5h55m06s
